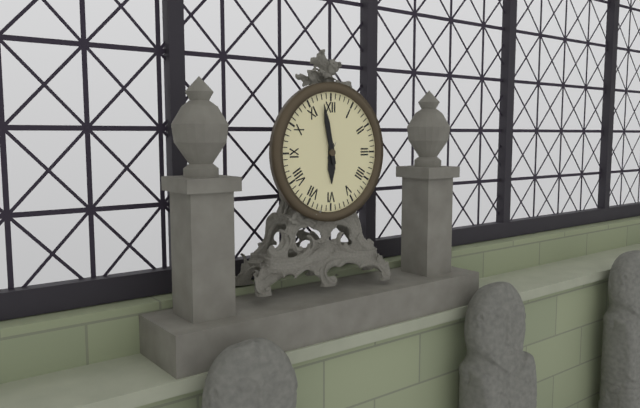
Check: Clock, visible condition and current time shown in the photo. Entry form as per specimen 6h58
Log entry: 5h58
